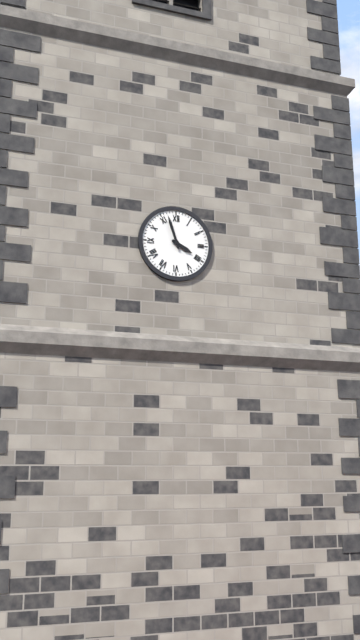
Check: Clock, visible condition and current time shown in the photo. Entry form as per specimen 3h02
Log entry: 3h57
